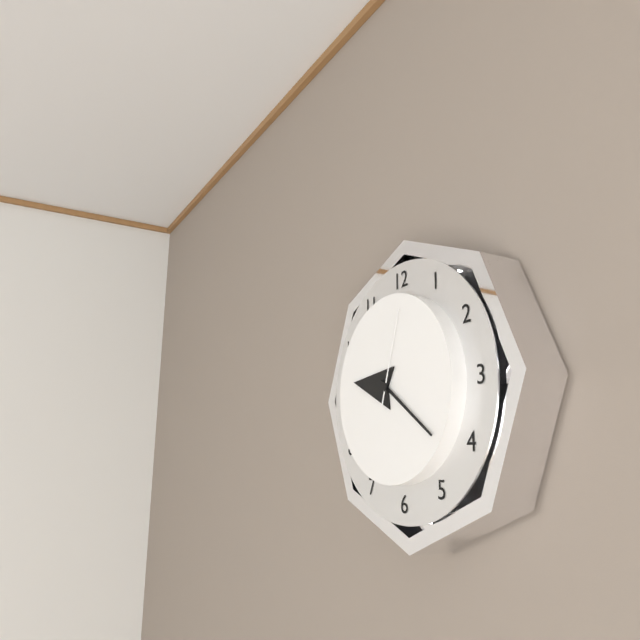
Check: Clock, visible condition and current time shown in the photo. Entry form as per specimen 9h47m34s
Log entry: 9h21m03s
